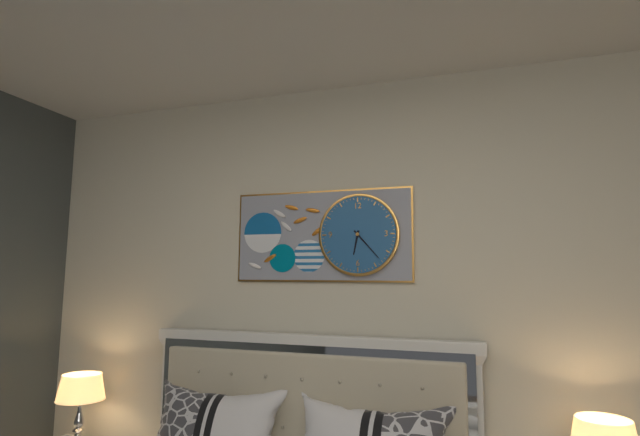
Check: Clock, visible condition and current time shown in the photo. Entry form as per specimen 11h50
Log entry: 6h23
